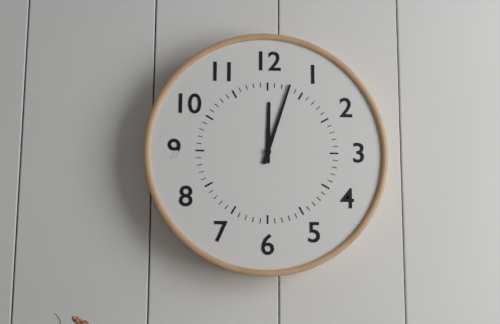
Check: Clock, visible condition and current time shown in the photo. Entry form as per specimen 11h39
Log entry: 12h03
